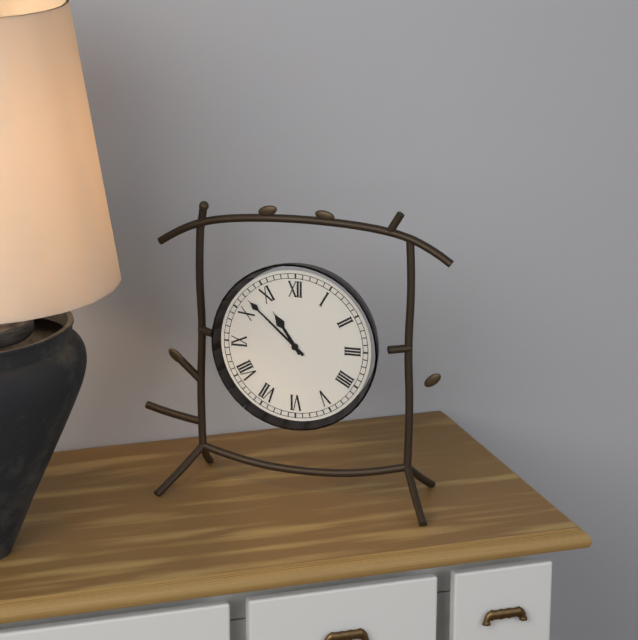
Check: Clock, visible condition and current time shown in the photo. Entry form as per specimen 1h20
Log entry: 10h52
